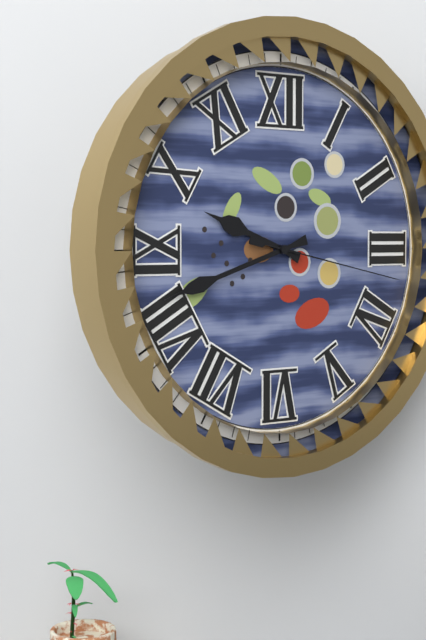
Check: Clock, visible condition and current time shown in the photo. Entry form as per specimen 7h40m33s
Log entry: 9h42m17s
